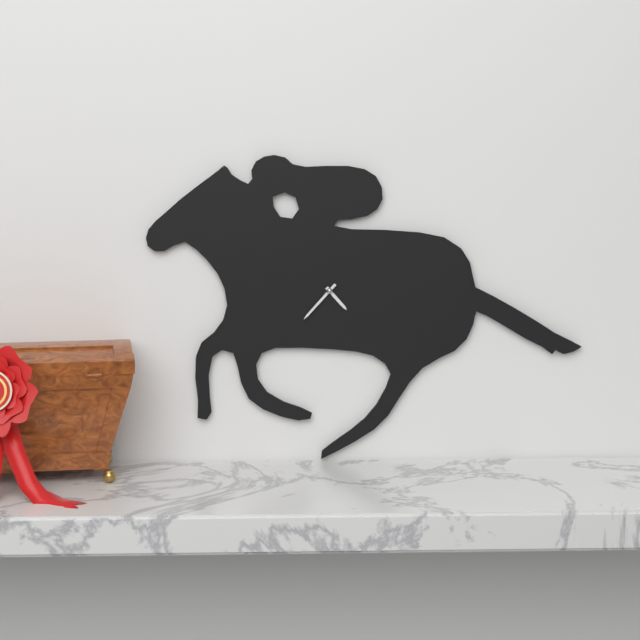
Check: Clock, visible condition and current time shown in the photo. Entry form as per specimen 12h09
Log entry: 4h37
